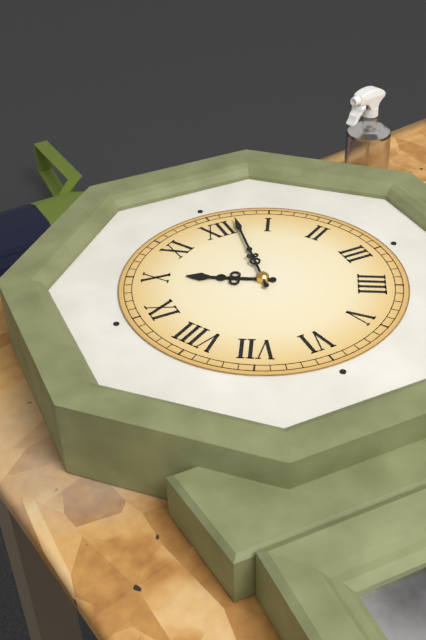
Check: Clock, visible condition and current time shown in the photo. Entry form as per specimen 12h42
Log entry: 10h02
